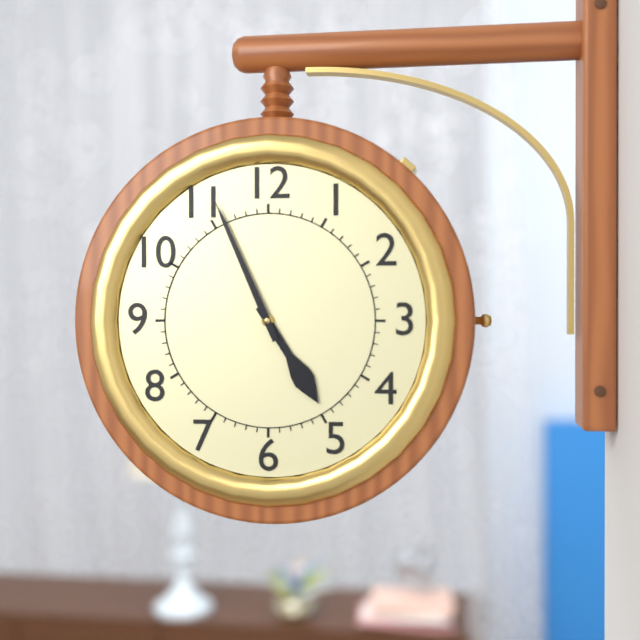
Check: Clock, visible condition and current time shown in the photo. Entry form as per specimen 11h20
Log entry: 4h56
